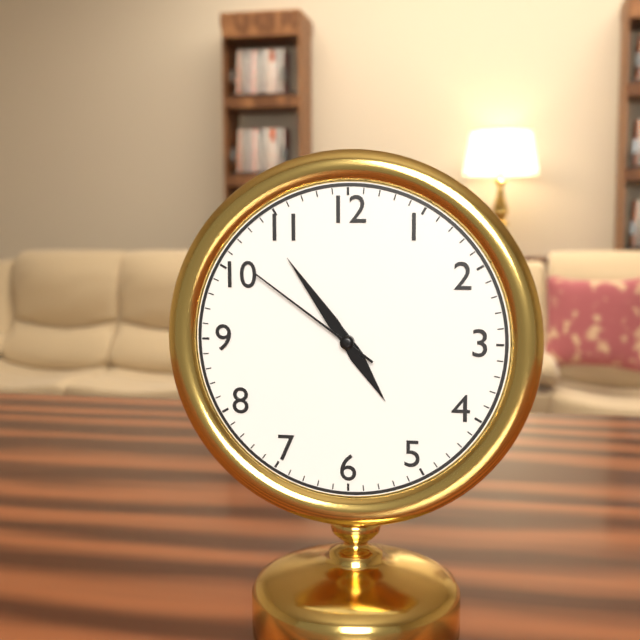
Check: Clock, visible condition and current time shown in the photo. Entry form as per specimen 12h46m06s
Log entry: 4h54m51s
